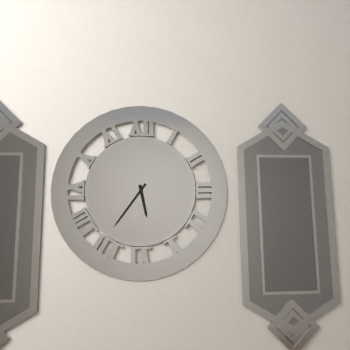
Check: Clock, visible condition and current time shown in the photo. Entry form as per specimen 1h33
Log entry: 5h36
